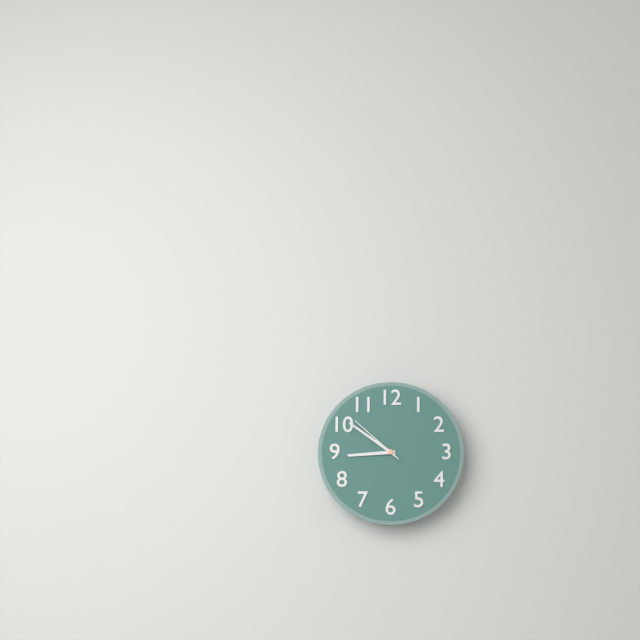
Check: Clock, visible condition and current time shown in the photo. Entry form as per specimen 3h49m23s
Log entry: 8h51m52s
